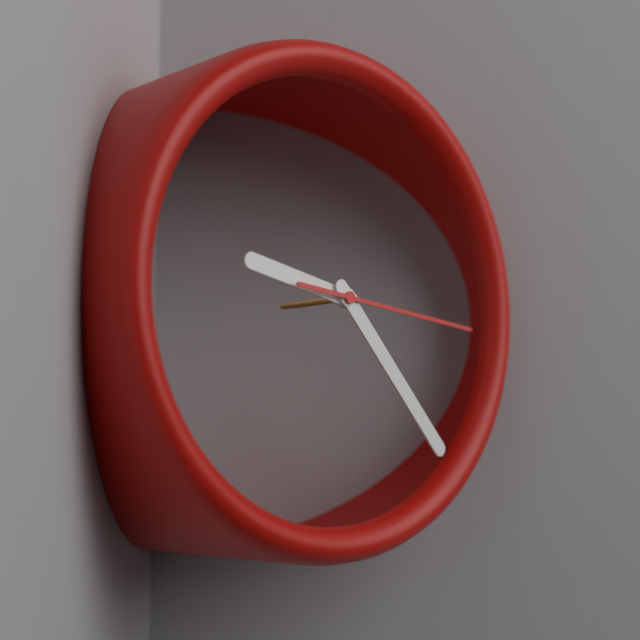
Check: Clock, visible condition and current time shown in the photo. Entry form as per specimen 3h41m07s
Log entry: 9h23m16s
